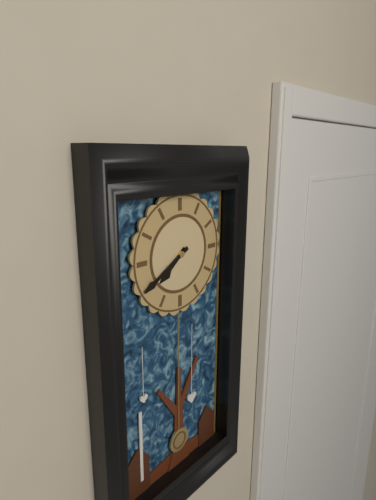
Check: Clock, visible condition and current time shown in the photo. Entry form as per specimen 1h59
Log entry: 7h40
